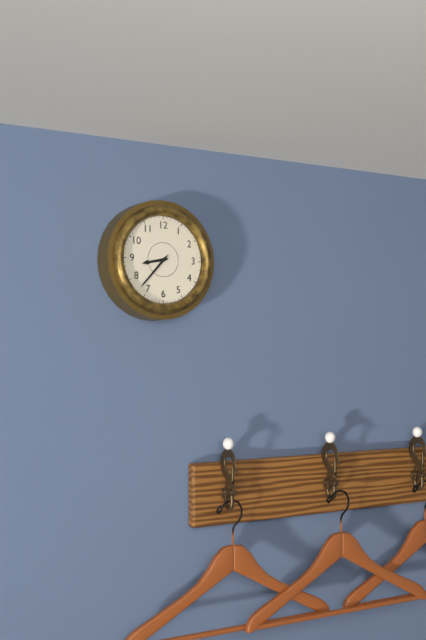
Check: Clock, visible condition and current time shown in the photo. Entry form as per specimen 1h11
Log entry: 8h37
